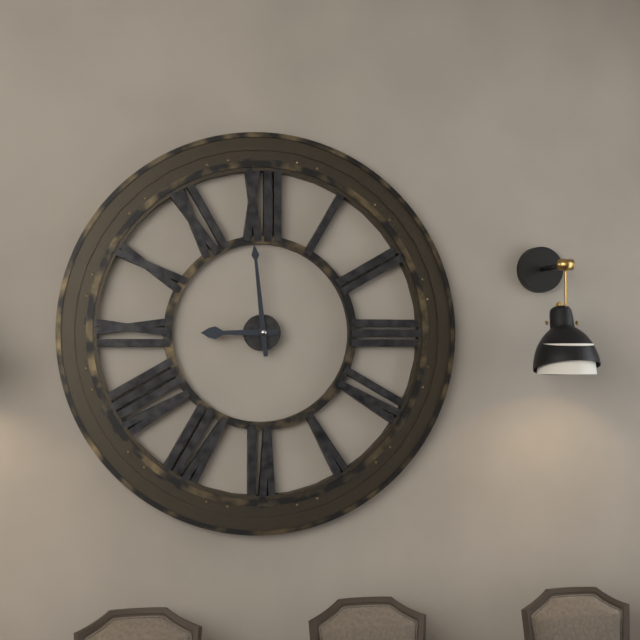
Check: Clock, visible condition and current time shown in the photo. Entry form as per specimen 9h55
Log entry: 8h59
